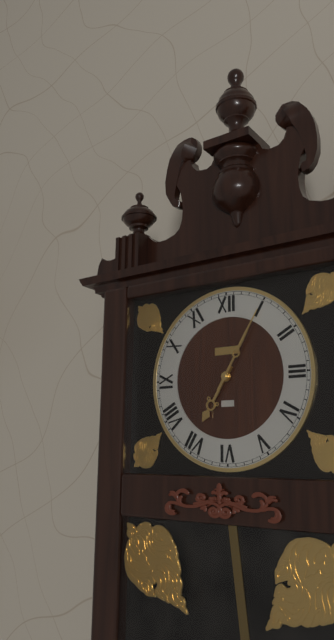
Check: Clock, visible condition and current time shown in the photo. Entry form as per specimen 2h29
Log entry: 7h05
